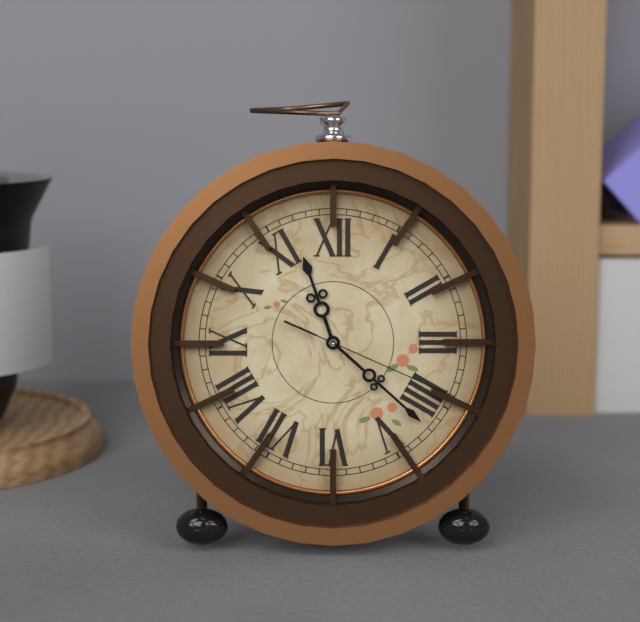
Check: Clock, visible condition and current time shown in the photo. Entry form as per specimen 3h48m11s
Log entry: 11h22m19s
